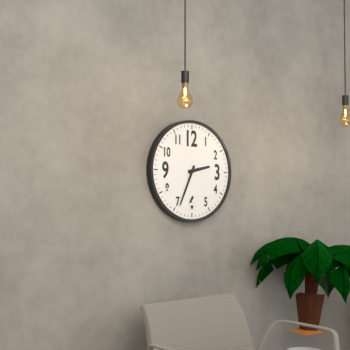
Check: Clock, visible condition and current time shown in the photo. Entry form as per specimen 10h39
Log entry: 2h34
